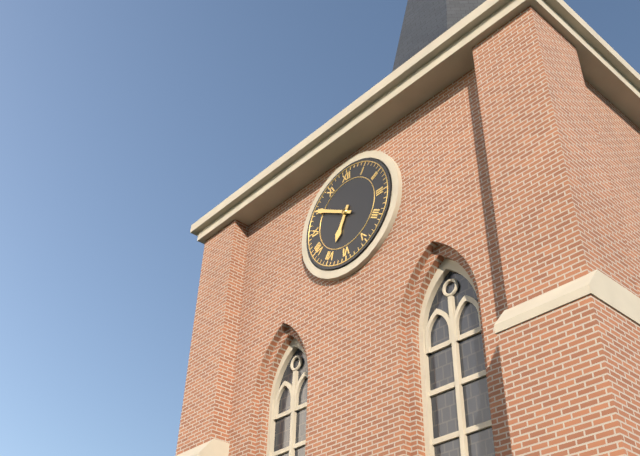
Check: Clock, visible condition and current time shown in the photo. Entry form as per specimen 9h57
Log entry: 6h50
